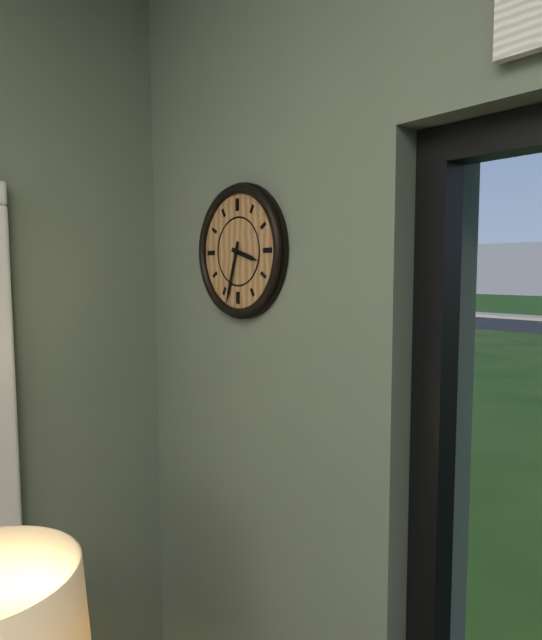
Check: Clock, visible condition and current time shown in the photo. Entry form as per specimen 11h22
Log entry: 3h33
